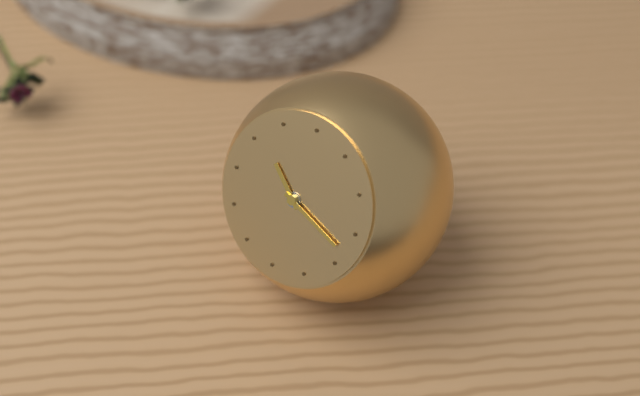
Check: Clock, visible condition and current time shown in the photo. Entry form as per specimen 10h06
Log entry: 10h18
